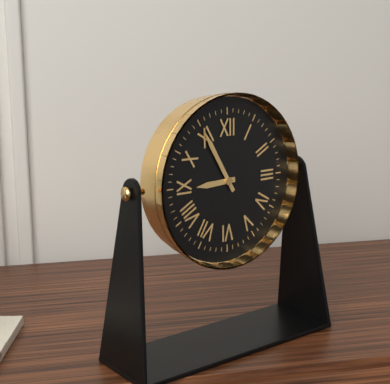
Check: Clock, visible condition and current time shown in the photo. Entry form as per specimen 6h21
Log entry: 8h55
